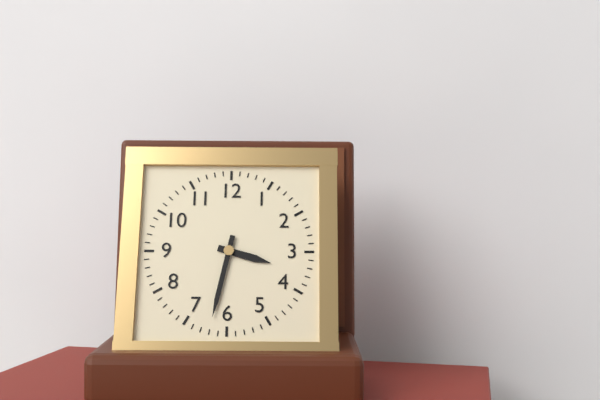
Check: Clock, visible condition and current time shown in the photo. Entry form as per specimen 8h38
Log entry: 3h32
